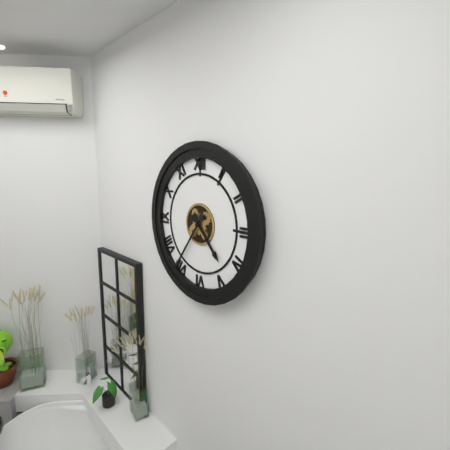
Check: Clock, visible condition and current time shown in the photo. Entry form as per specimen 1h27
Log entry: 4h36
